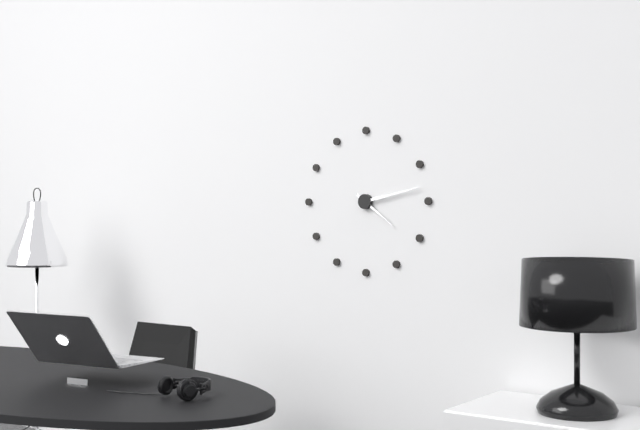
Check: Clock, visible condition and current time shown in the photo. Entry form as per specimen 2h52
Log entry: 4h13
